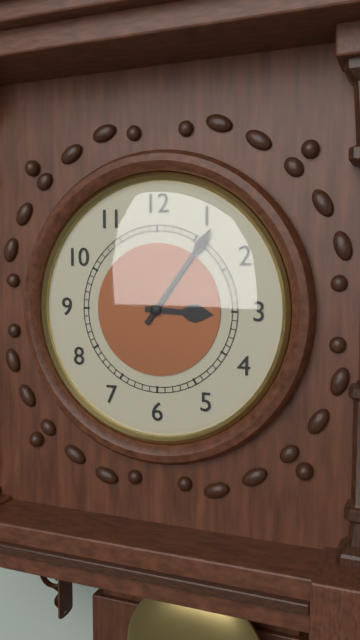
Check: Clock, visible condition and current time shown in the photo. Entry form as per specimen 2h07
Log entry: 3h06
